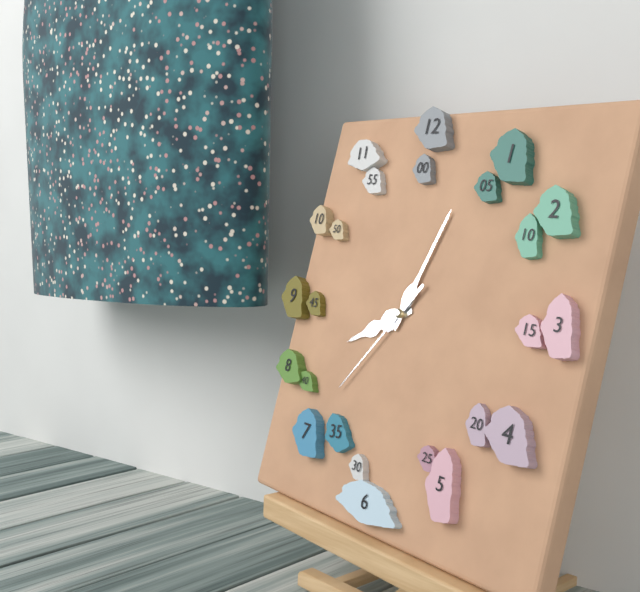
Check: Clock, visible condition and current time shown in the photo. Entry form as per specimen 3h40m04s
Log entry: 8h03m36s
